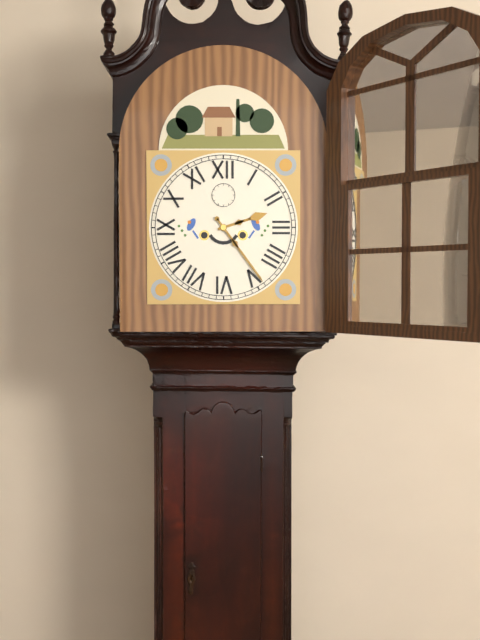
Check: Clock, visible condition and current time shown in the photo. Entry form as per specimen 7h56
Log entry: 2h24
